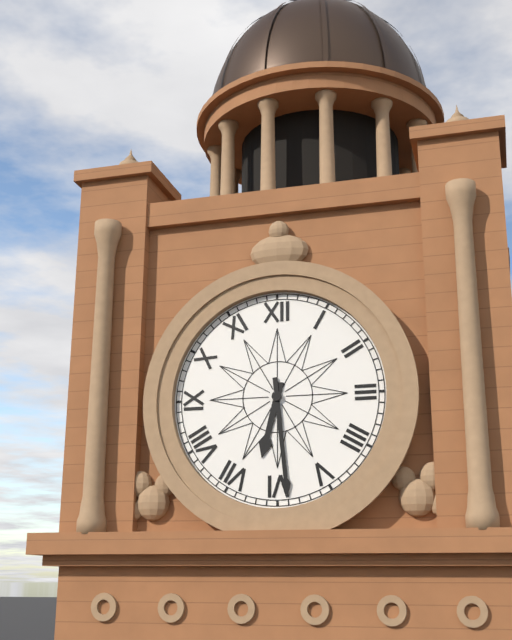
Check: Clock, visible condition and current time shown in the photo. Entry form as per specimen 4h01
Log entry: 6h29
